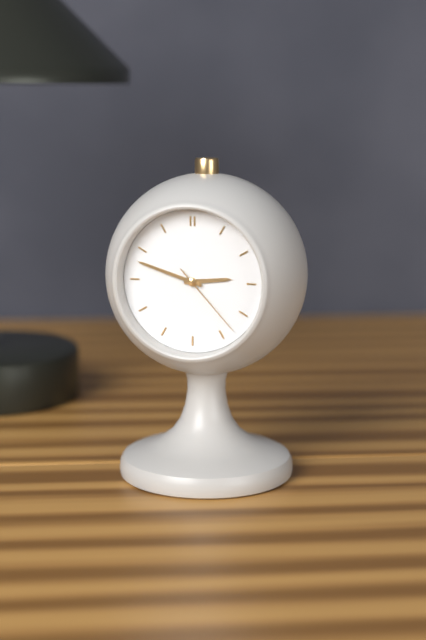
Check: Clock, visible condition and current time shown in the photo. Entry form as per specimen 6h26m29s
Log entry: 2h48m23s
